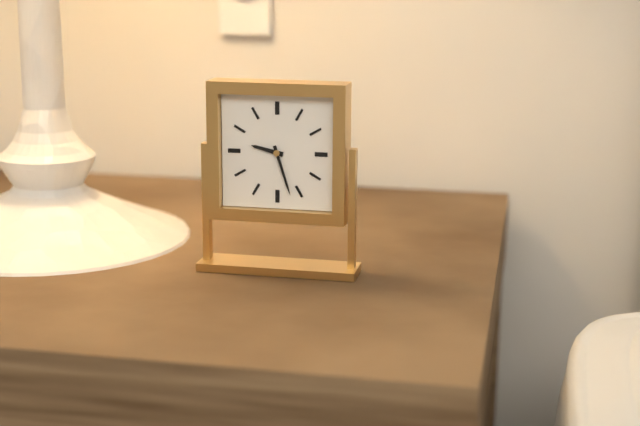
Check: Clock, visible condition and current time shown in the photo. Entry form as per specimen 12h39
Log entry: 9h27
